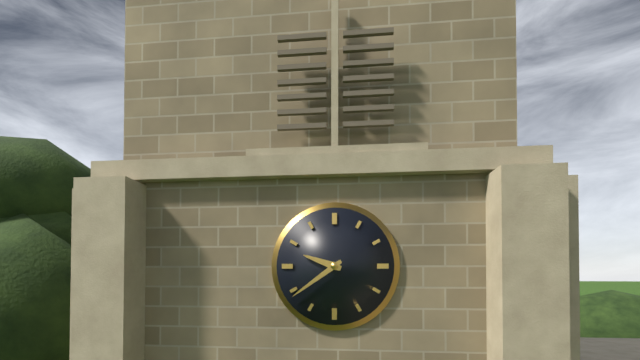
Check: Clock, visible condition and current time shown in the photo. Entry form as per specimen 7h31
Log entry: 9h39
